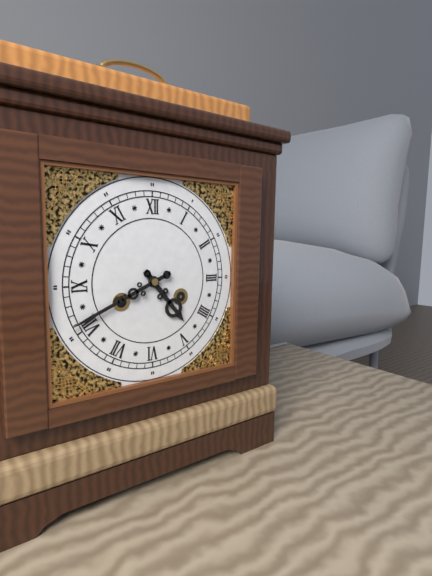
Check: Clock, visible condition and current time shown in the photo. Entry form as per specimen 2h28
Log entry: 4h41
